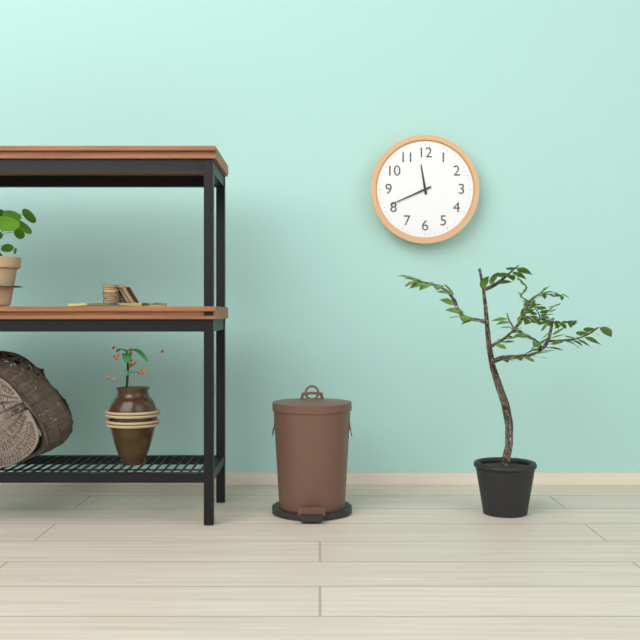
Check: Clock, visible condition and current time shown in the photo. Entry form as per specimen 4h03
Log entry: 11h41
